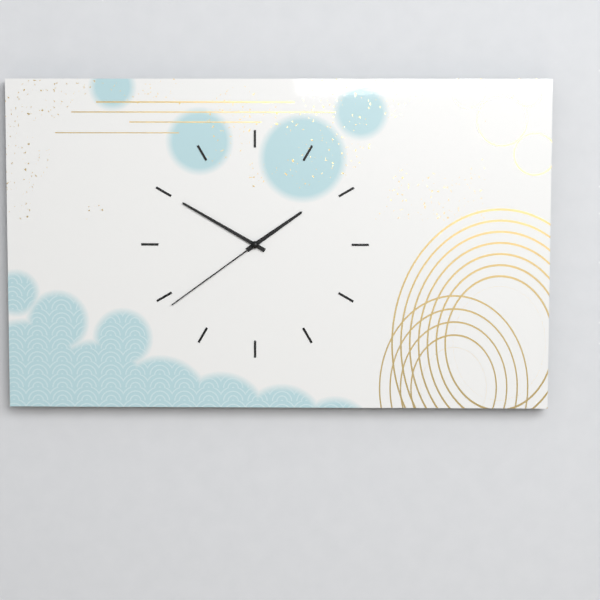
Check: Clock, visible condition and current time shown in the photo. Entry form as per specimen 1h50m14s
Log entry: 1h50m39s
